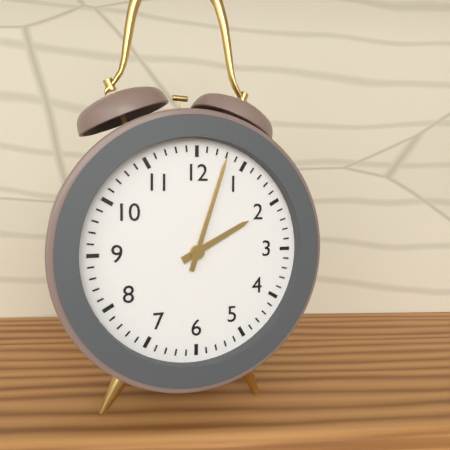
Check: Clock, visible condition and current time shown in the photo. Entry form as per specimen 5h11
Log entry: 2h03
